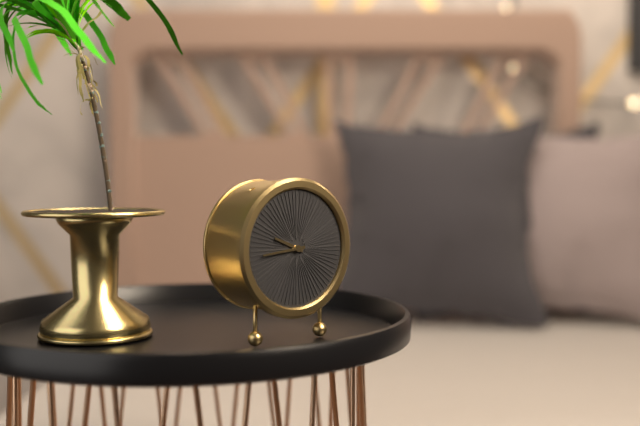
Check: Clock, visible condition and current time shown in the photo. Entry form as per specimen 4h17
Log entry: 9h44
